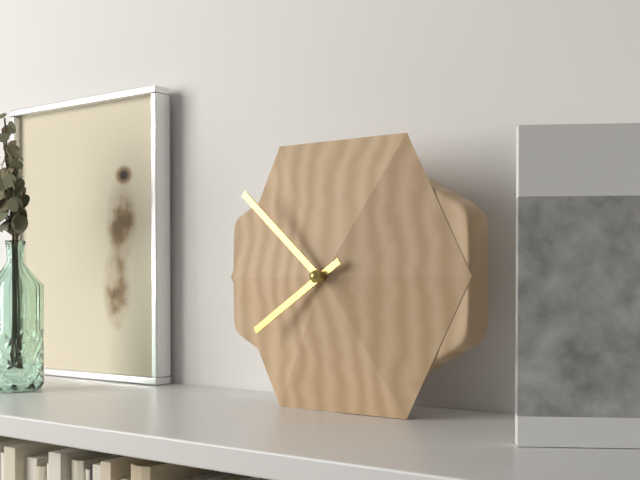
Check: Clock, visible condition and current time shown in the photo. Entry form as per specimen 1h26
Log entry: 7h52
